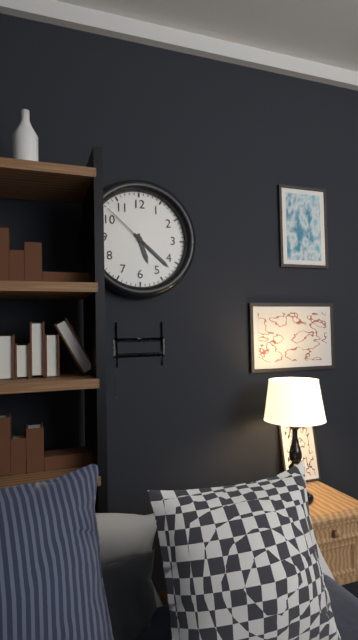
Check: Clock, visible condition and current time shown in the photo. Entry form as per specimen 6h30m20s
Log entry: 5h22m52s
